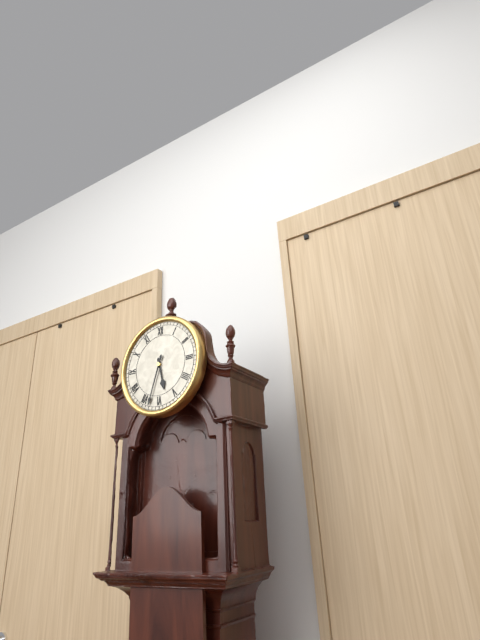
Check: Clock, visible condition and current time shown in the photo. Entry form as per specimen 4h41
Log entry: 5h33
